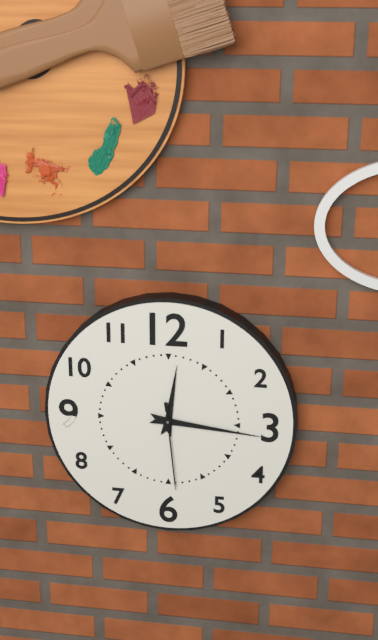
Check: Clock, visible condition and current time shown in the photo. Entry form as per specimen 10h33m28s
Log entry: 12h16m29s
